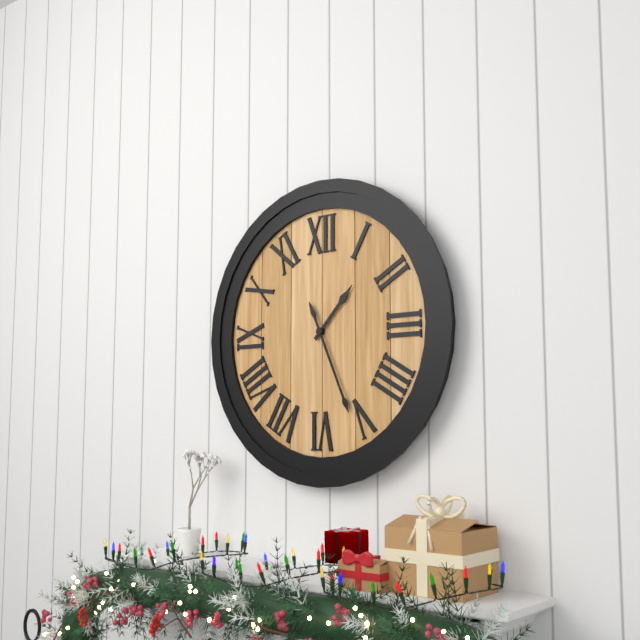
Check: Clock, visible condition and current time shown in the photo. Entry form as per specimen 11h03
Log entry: 1h26
